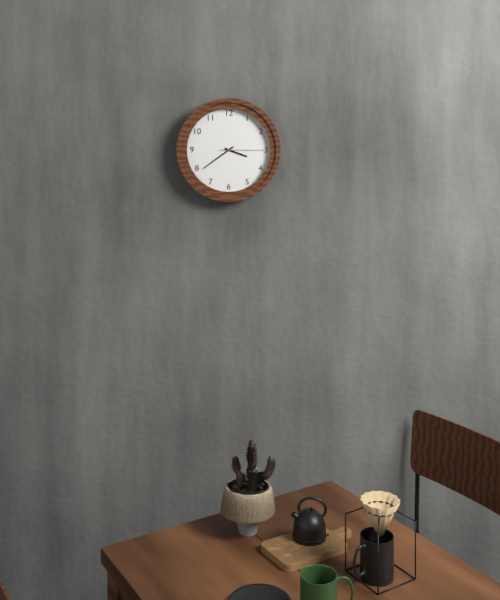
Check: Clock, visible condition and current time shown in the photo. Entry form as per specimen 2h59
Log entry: 3h39
